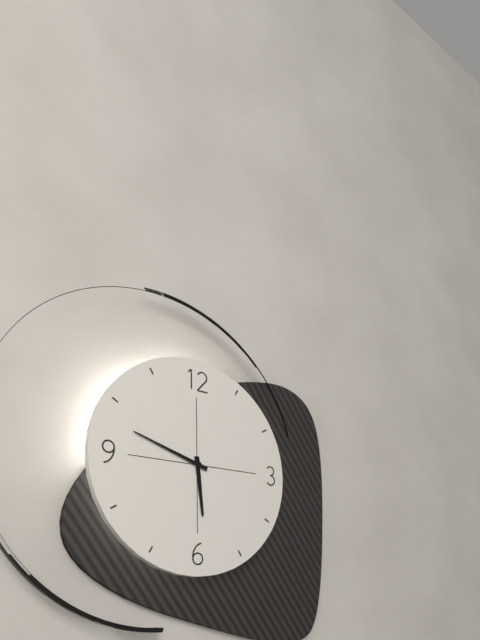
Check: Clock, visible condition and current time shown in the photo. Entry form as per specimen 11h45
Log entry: 5h48
